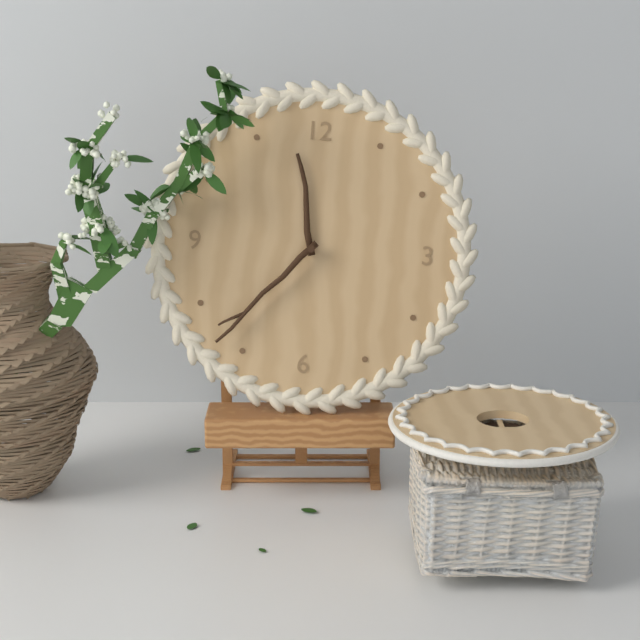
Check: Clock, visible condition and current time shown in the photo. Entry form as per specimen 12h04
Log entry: 11h37
